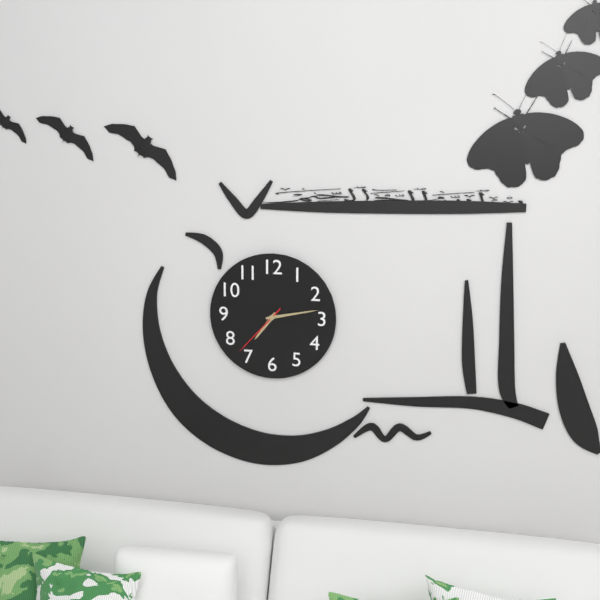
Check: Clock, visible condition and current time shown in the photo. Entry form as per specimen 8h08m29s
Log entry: 7h13m37s
